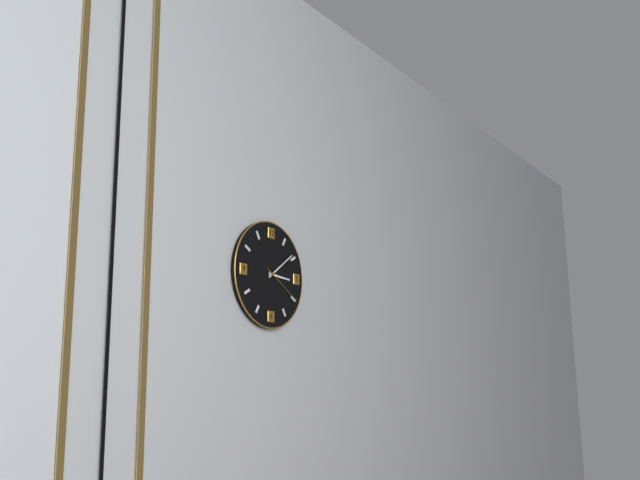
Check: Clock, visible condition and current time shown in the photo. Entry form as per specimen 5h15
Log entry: 3h09
